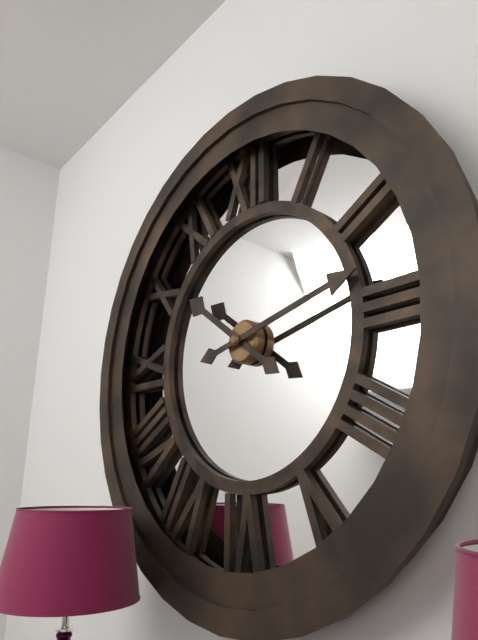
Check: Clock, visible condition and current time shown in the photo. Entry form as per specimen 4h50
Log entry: 10h13
